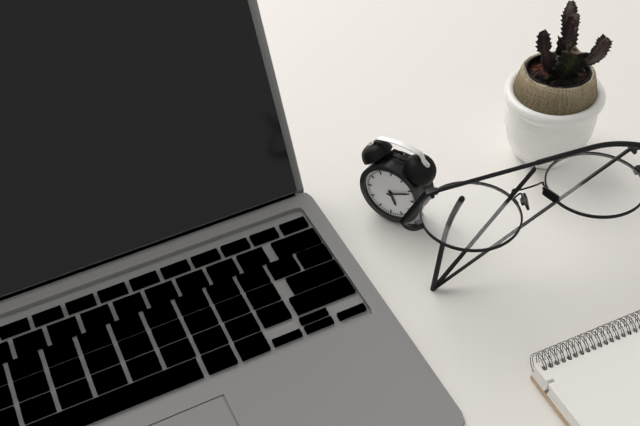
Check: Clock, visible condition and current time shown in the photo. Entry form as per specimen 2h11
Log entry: 5h11
